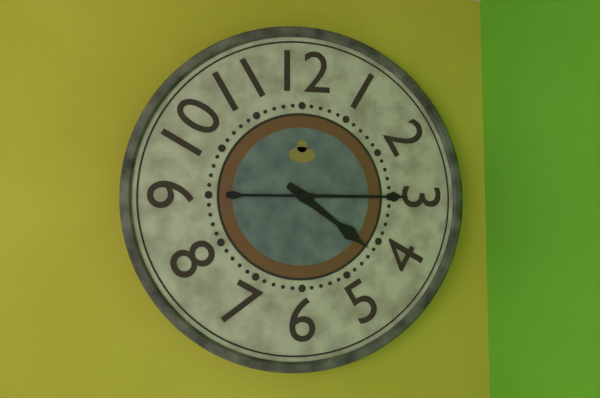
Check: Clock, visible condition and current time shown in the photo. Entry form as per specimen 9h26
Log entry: 4h15
